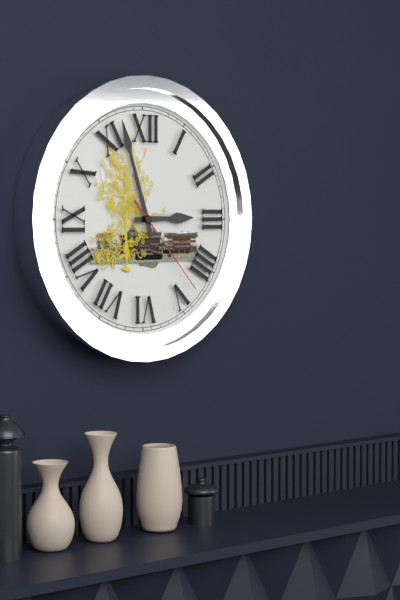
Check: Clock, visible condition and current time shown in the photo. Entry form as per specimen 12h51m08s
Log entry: 2h57m23s
